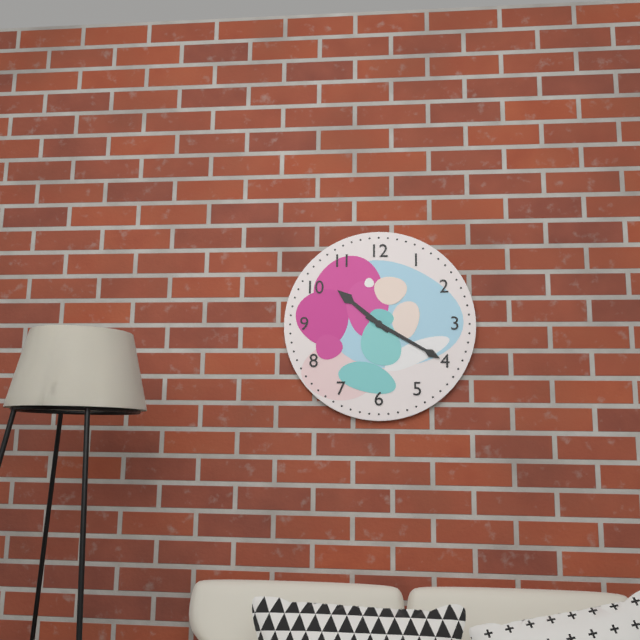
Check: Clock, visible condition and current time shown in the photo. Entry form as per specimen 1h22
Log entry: 10h20
